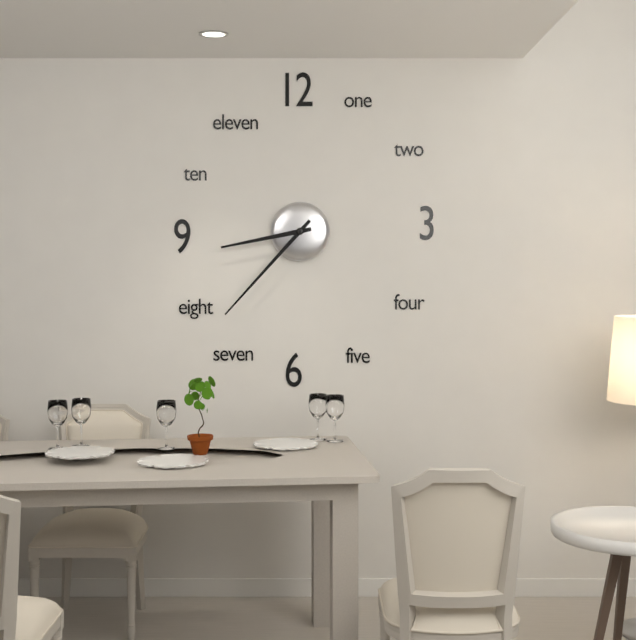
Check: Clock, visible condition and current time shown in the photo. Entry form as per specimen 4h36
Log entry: 8h37
